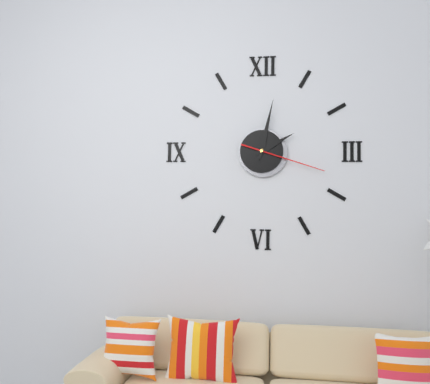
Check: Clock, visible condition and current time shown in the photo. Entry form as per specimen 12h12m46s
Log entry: 2h02m18s
